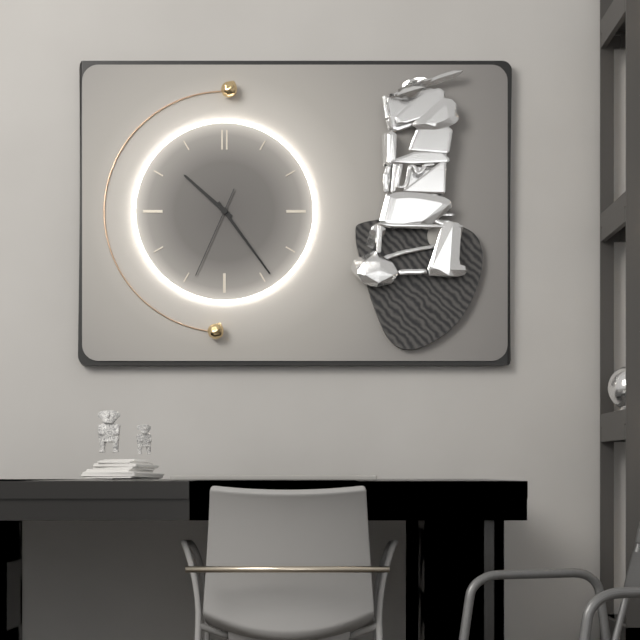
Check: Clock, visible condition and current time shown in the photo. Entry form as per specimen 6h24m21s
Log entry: 10h24m34s
